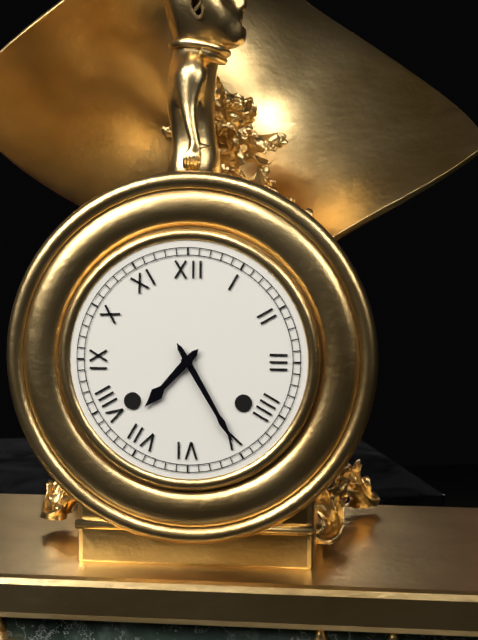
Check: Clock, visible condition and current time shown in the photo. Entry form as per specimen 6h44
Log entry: 7h25
